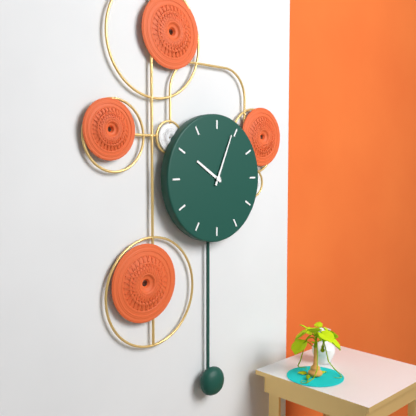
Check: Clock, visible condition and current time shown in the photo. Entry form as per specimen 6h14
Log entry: 10h04
